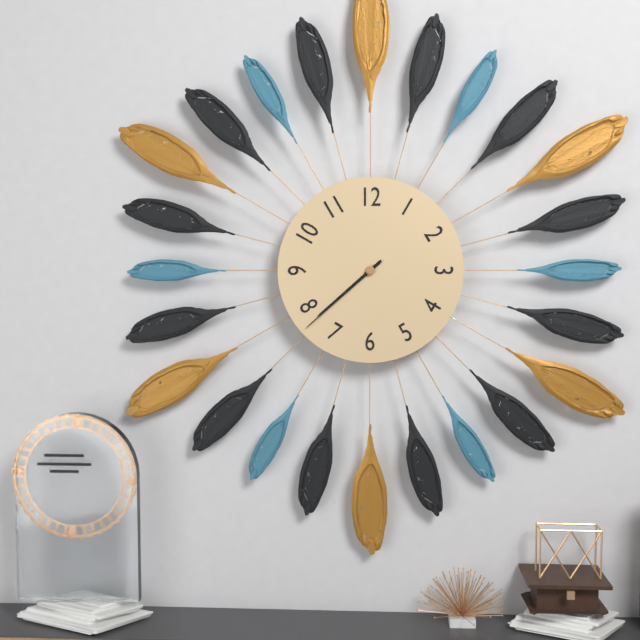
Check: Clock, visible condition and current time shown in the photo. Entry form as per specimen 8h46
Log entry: 7h38
